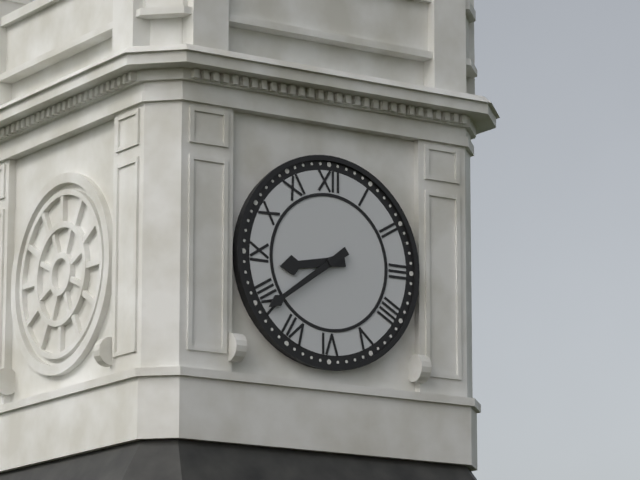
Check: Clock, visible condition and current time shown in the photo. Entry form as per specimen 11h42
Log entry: 8h39
